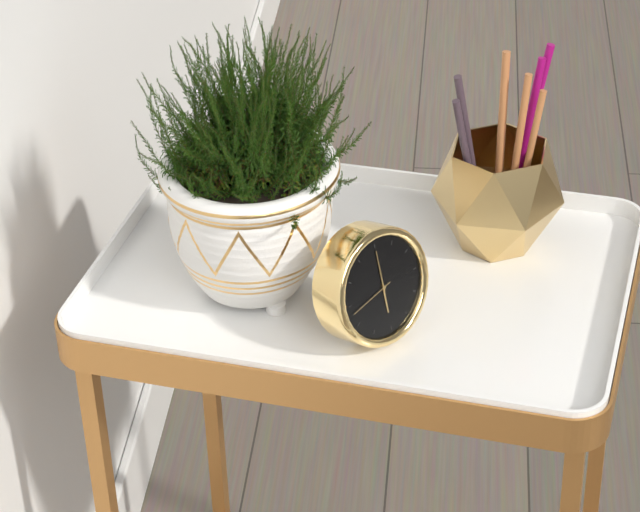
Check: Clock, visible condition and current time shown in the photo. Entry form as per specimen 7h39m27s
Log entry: 6h00m43s
